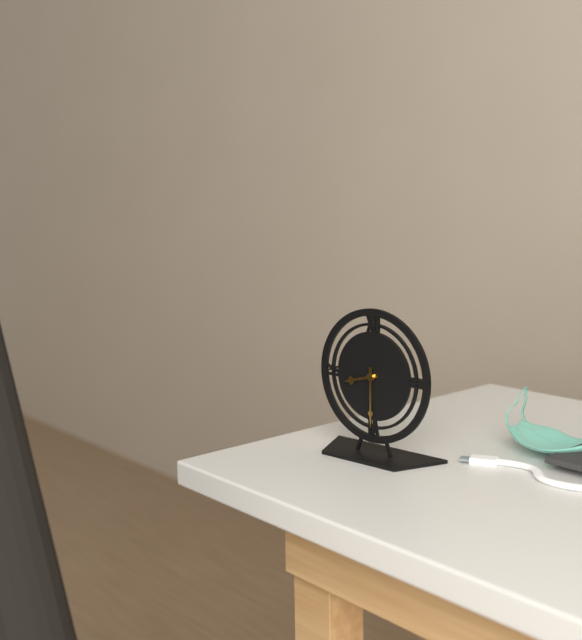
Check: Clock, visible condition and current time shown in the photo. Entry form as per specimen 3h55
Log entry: 8h30
